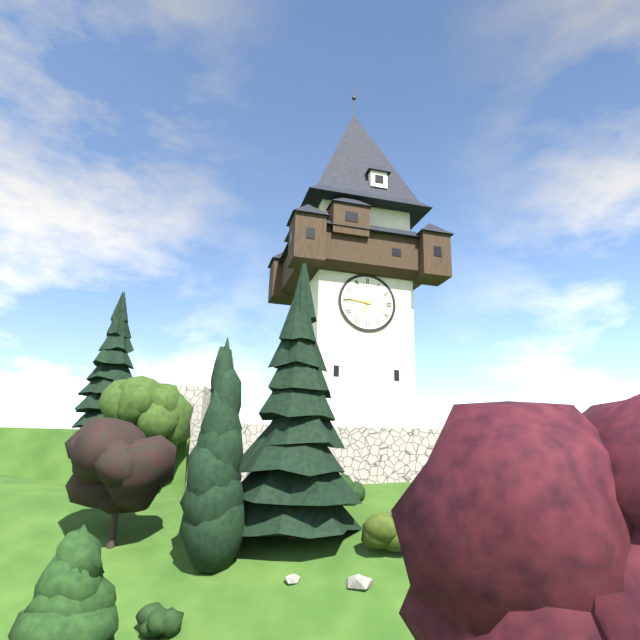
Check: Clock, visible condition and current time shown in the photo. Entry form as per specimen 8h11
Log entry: 6h46
